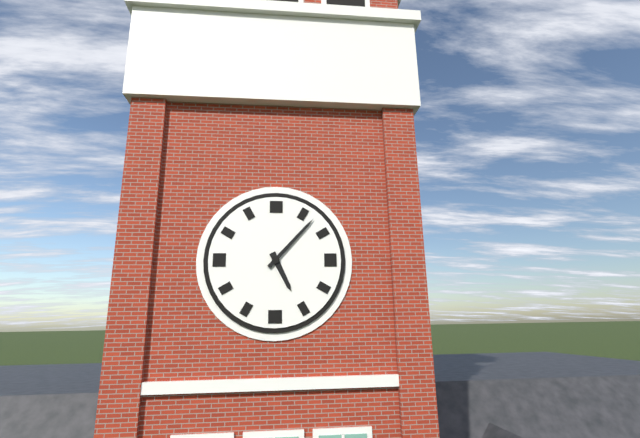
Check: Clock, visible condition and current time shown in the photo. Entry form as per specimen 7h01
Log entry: 5h07
